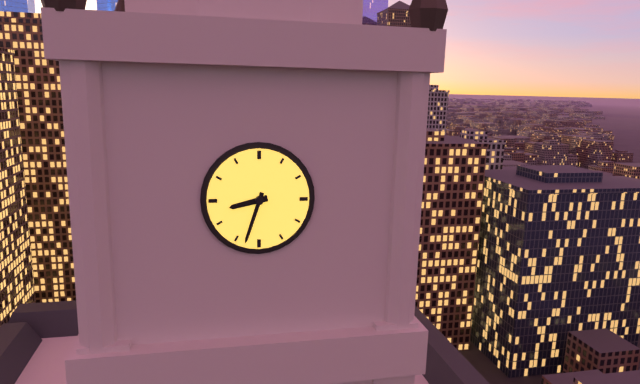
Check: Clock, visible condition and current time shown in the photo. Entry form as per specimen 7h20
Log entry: 8h33
